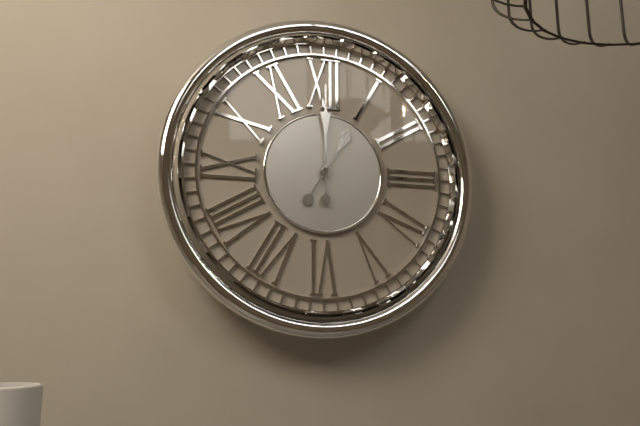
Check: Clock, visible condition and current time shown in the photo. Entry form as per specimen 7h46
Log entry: 1h00
